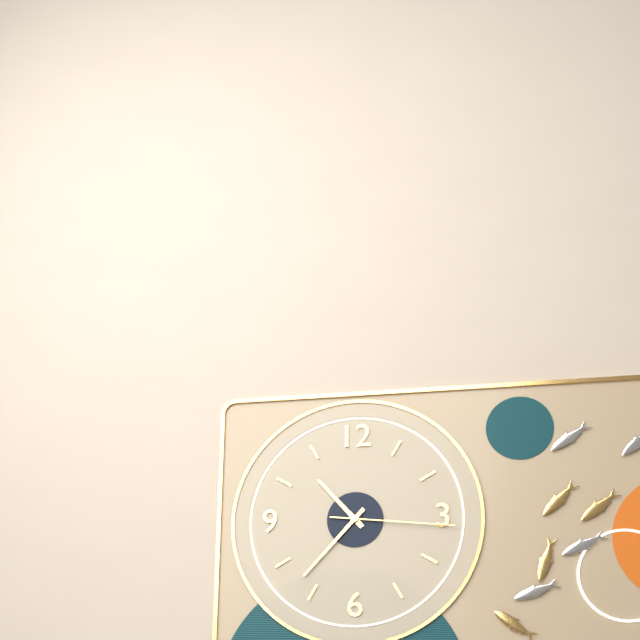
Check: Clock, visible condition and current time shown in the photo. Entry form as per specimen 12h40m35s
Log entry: 10h37m16s
